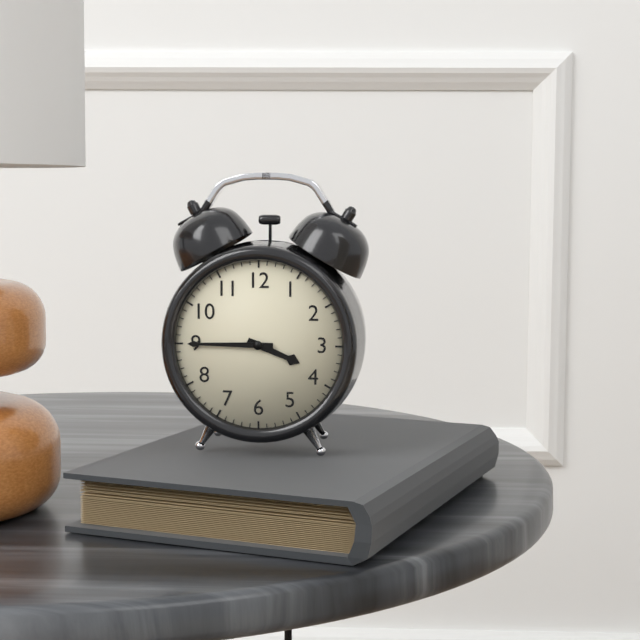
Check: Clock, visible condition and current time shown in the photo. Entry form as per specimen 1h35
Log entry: 3h45
